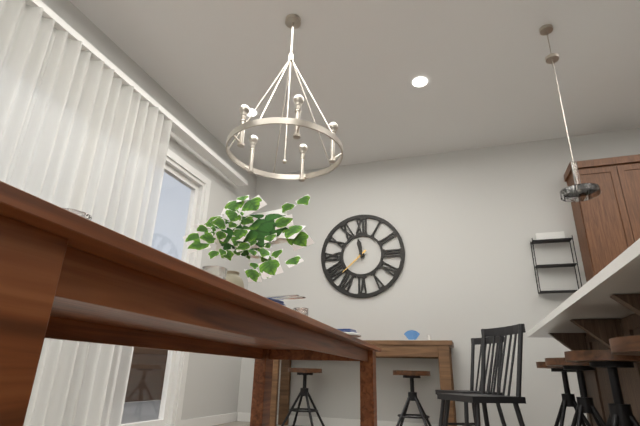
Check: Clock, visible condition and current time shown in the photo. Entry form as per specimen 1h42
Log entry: 11h38
